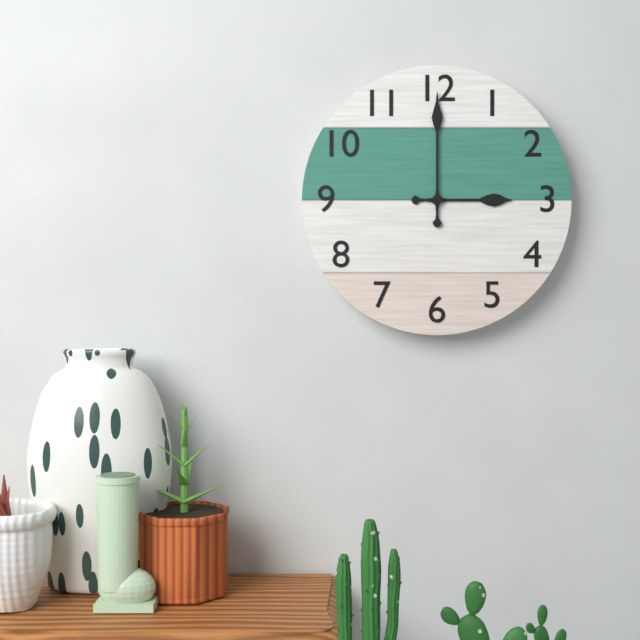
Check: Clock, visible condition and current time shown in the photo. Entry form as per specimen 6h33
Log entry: 3h00
